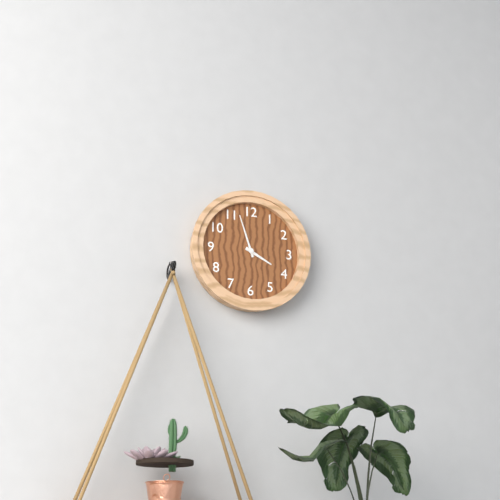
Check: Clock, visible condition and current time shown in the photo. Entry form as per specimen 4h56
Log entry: 3h57
